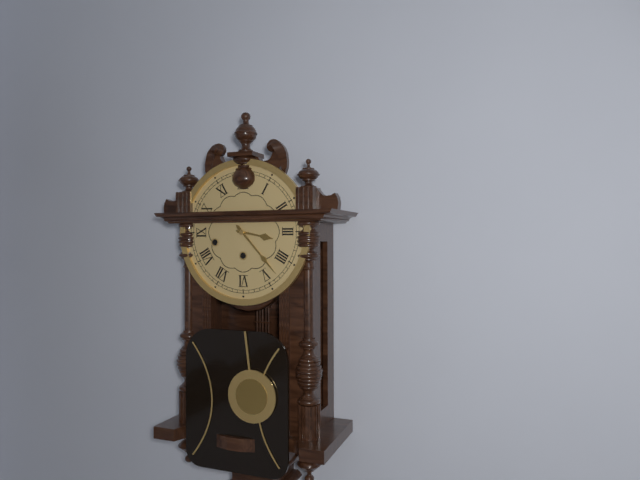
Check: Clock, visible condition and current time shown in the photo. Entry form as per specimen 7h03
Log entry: 3h23
